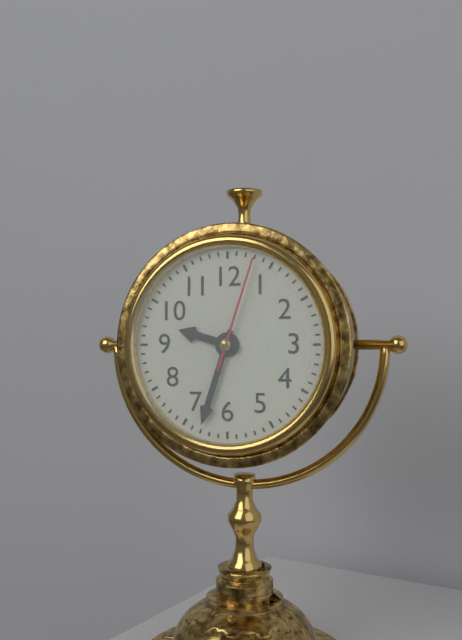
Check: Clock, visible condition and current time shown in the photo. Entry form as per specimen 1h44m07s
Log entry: 9h33m03s
